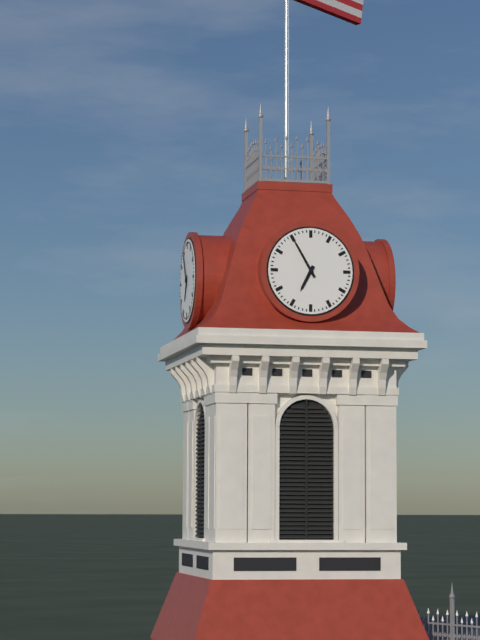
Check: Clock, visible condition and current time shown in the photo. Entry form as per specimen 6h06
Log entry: 6h55
